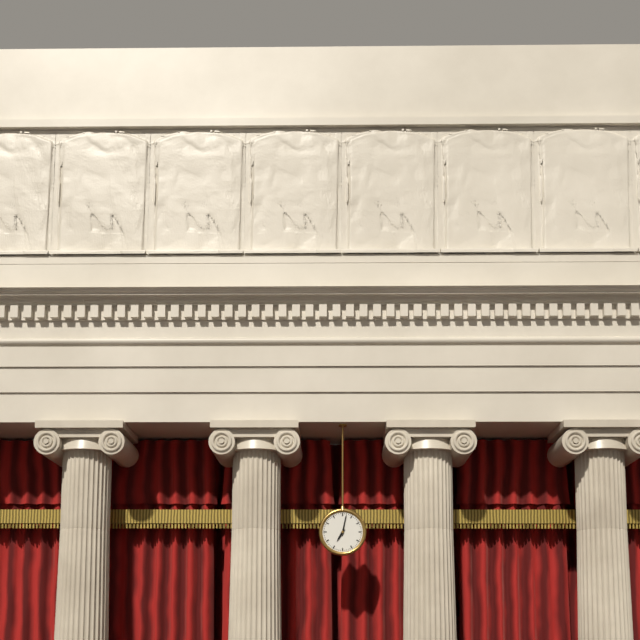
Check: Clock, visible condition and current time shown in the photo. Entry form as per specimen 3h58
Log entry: 7h02
